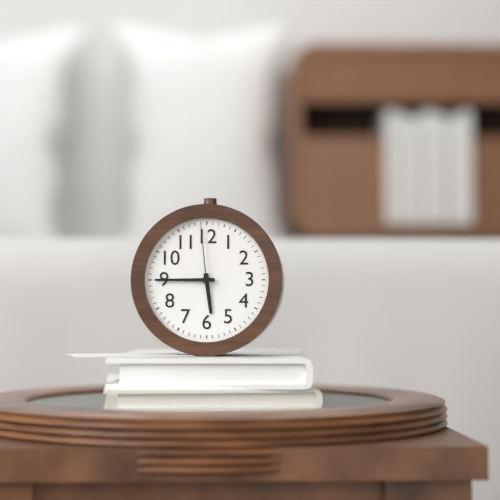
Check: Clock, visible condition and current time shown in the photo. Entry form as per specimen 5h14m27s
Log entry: 5h45m59s
